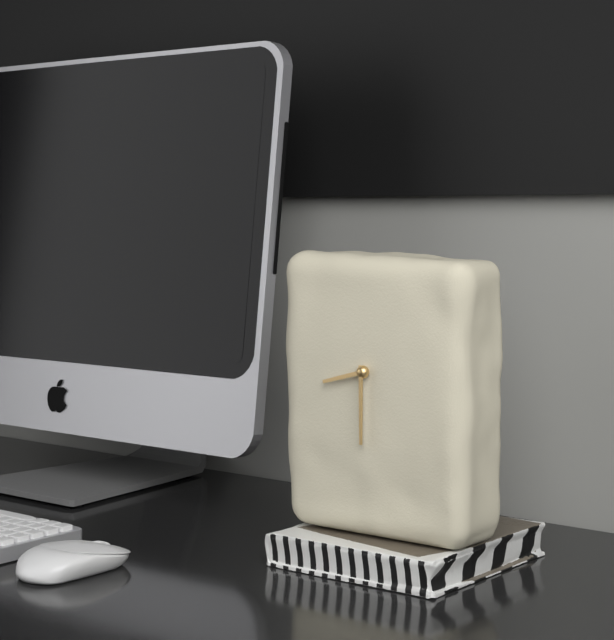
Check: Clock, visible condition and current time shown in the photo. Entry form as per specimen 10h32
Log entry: 8h30
